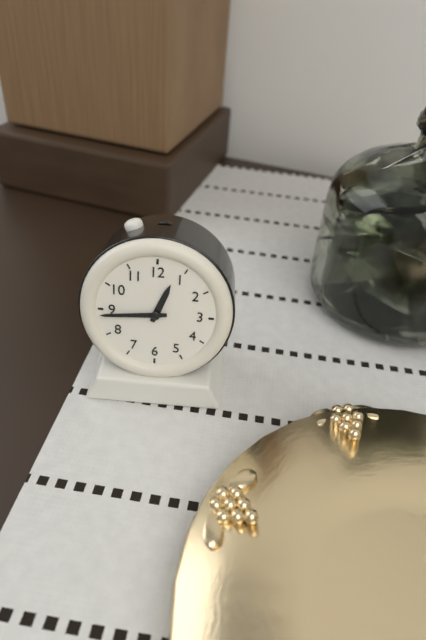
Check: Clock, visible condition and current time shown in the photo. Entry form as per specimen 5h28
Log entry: 12h44
